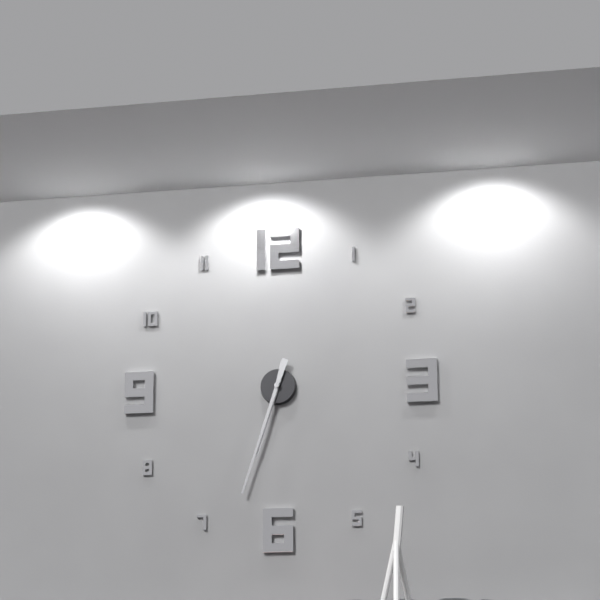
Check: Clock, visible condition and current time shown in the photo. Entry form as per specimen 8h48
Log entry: 6h33
